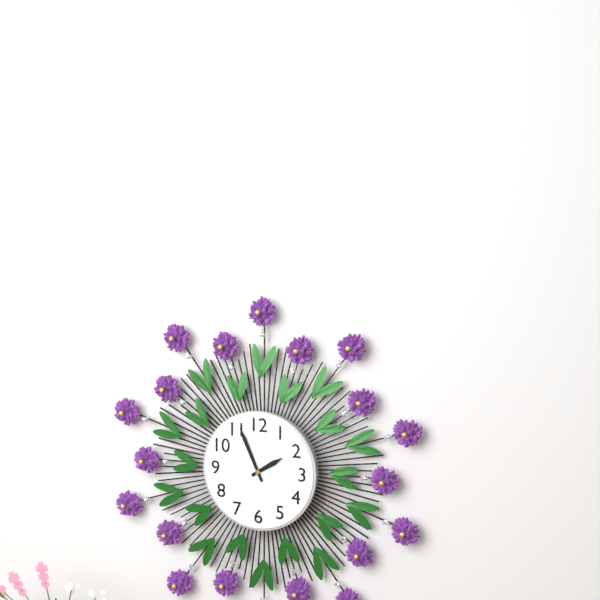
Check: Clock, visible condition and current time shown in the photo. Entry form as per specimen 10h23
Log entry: 1h56
